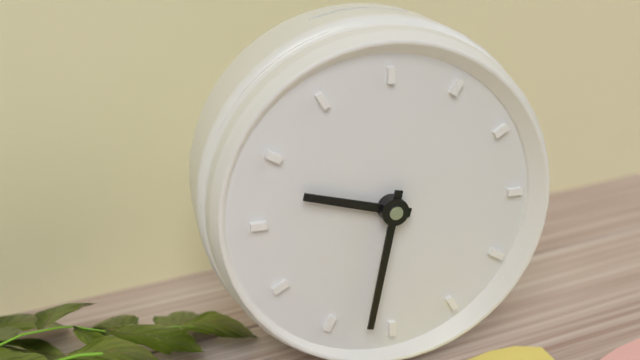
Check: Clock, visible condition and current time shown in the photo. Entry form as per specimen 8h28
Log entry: 9h32
